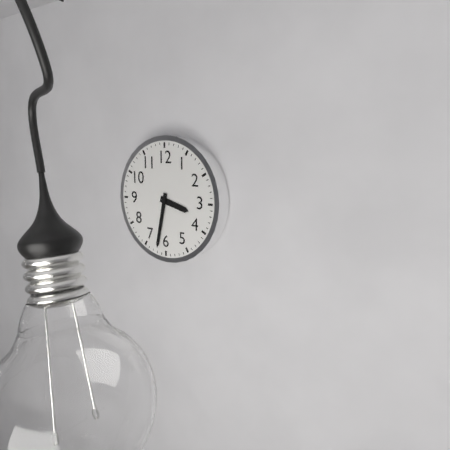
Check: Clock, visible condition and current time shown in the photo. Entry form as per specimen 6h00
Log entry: 3h32
